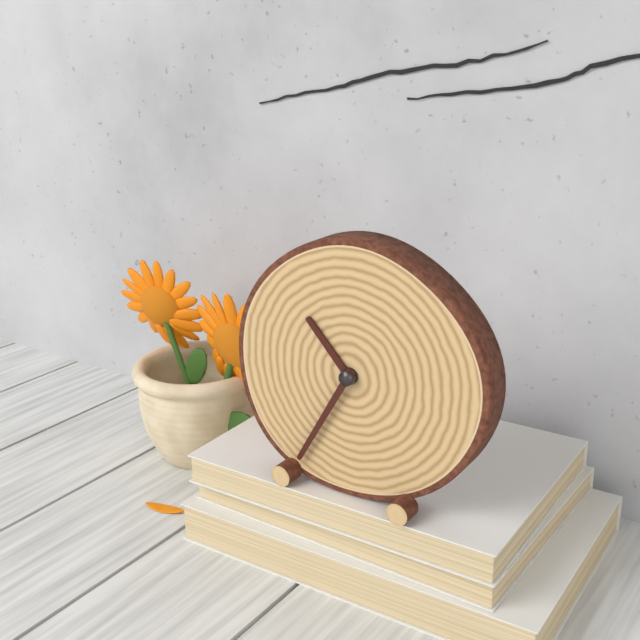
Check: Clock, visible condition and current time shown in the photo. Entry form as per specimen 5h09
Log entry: 10h35
